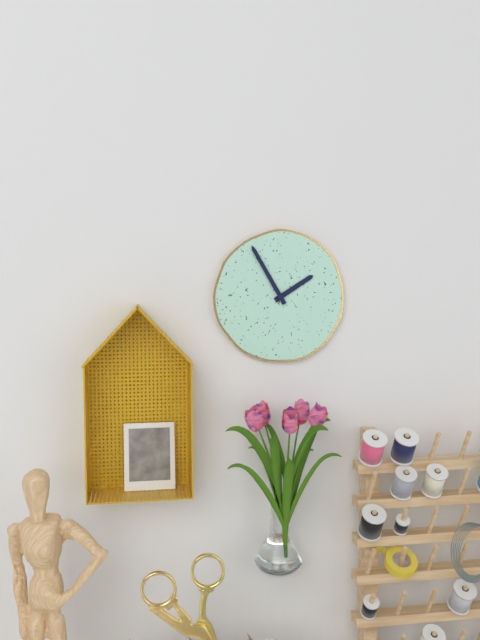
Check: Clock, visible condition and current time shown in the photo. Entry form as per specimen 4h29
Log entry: 1h55
